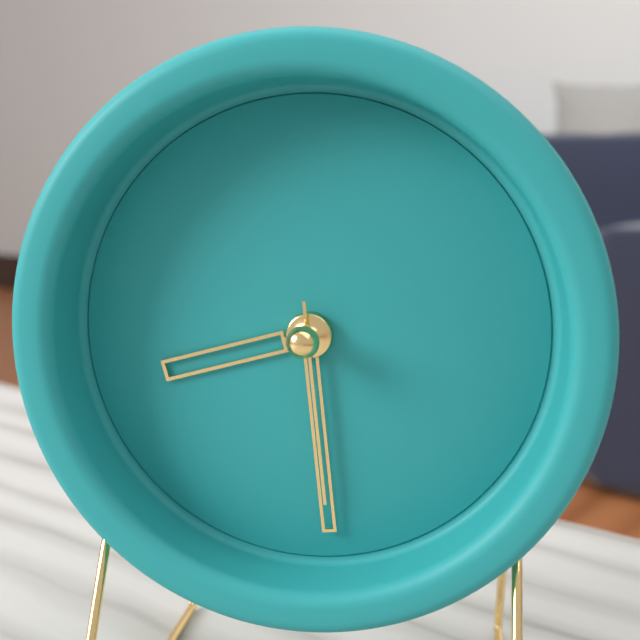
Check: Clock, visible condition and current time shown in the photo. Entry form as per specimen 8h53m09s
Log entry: 8h29m29s
